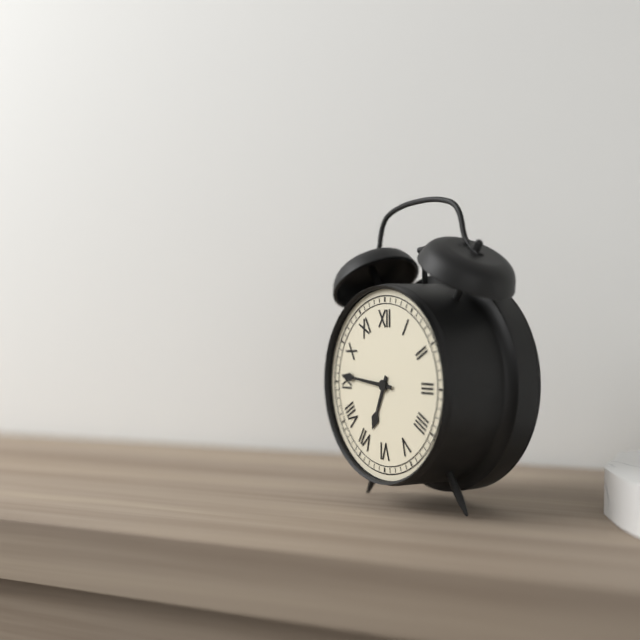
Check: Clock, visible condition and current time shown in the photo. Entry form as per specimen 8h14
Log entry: 6h46
